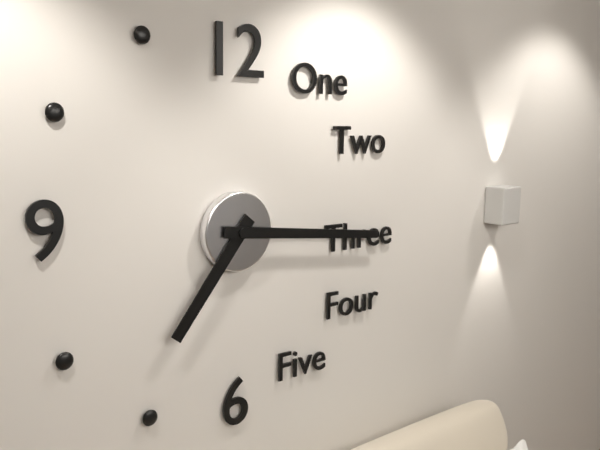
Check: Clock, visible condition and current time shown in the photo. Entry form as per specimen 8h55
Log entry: 7h16
